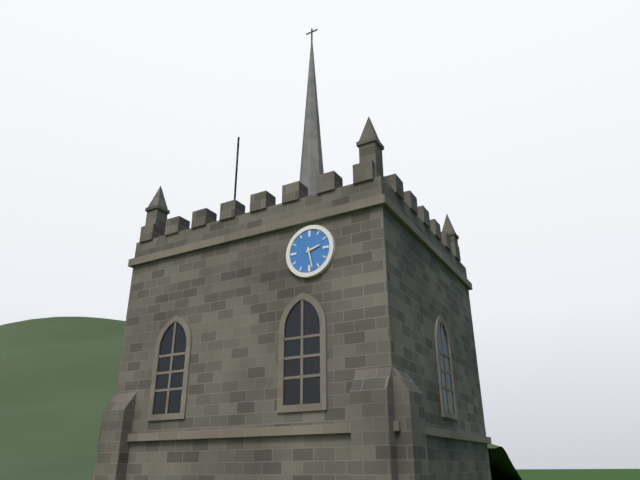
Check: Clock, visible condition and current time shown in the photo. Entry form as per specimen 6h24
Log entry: 2h28
